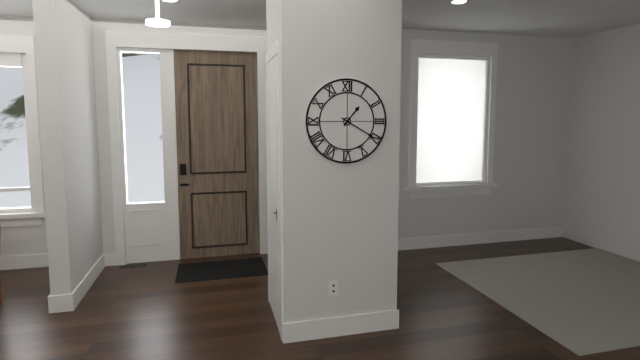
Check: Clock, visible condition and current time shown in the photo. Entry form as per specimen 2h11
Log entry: 1h20
